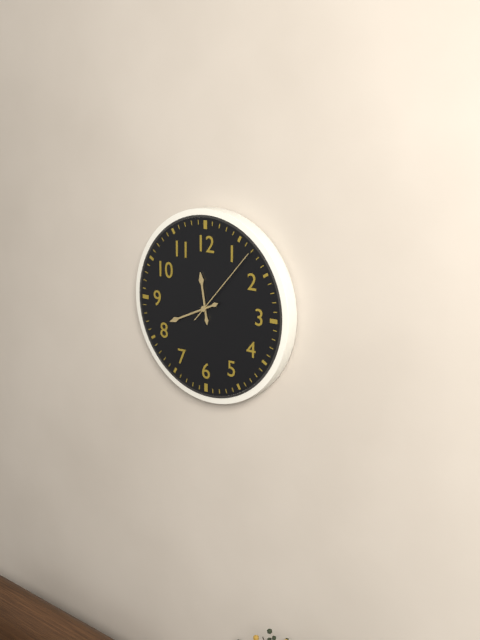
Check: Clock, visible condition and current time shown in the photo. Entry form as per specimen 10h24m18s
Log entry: 11h41m07s
